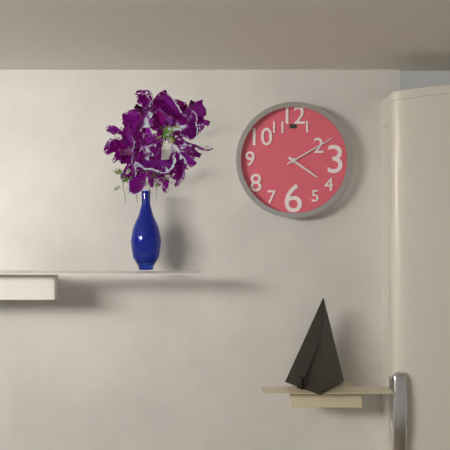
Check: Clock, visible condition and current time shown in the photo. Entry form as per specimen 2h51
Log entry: 4h10
